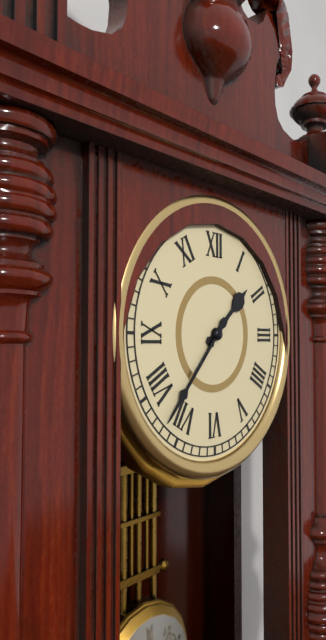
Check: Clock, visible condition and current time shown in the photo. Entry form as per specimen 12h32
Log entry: 1h37
